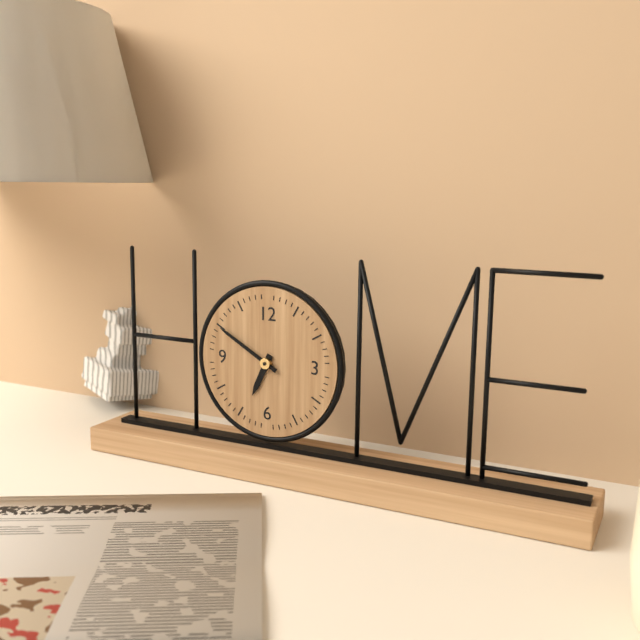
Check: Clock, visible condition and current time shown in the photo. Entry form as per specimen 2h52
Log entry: 6h50
